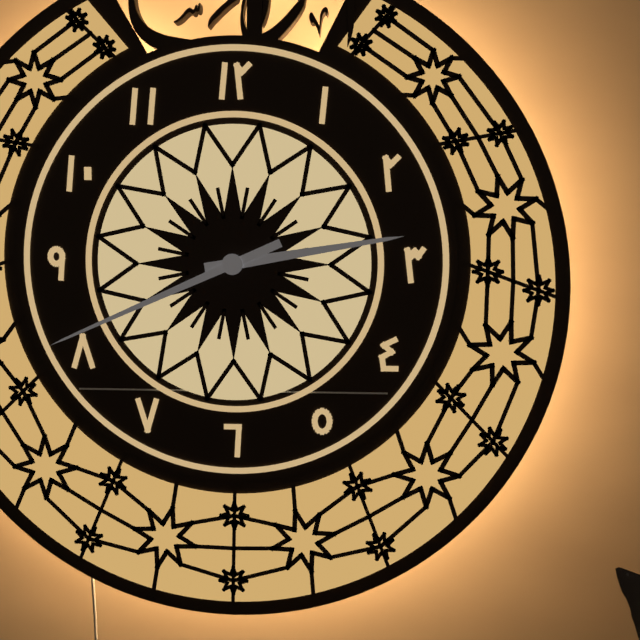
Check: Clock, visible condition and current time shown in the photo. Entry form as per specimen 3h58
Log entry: 2h41
